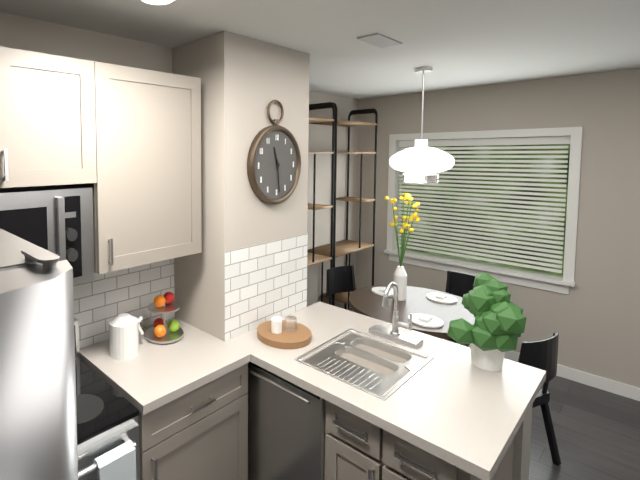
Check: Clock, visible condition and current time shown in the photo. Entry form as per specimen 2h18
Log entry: 11h29
